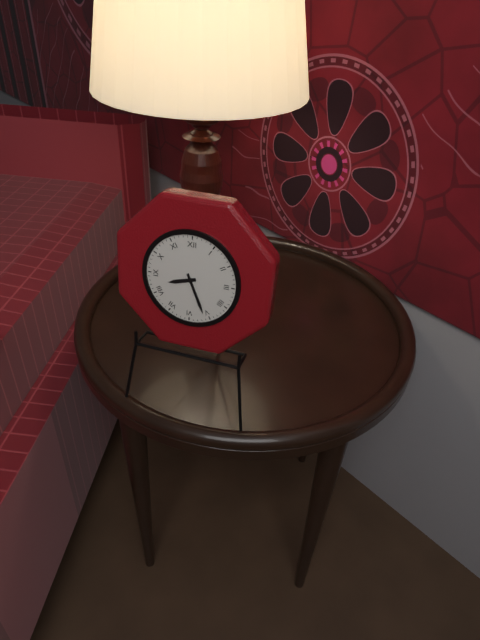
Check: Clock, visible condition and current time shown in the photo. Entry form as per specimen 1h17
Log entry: 8h26
